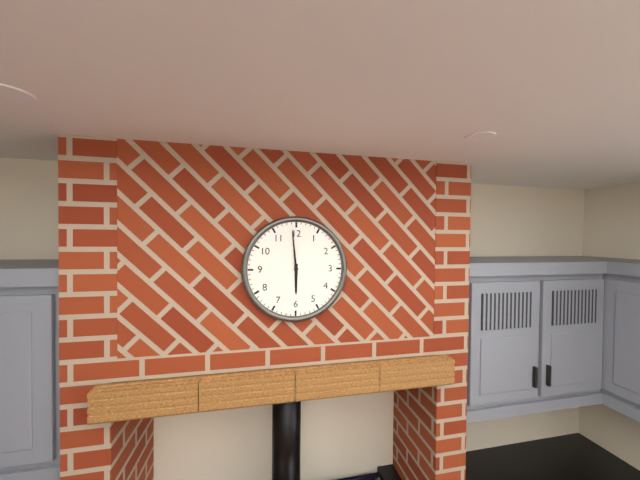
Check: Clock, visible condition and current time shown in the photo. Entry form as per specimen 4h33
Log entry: 5h59
